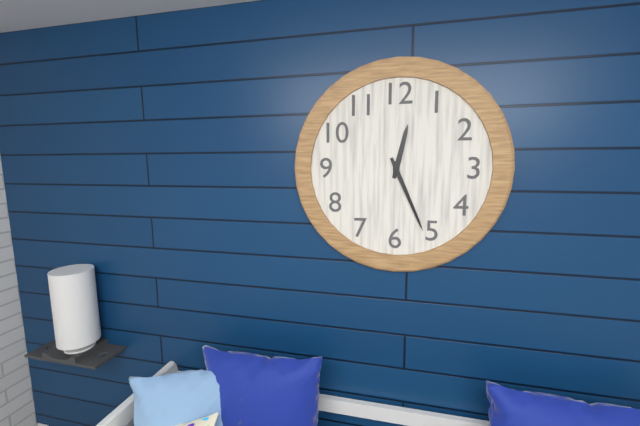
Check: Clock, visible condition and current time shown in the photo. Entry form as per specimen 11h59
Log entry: 12h26
